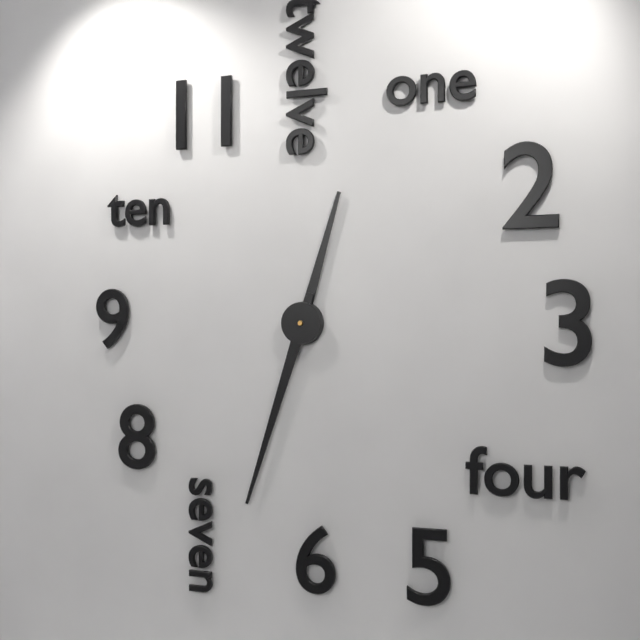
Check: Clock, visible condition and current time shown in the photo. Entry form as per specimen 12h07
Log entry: 12h33
